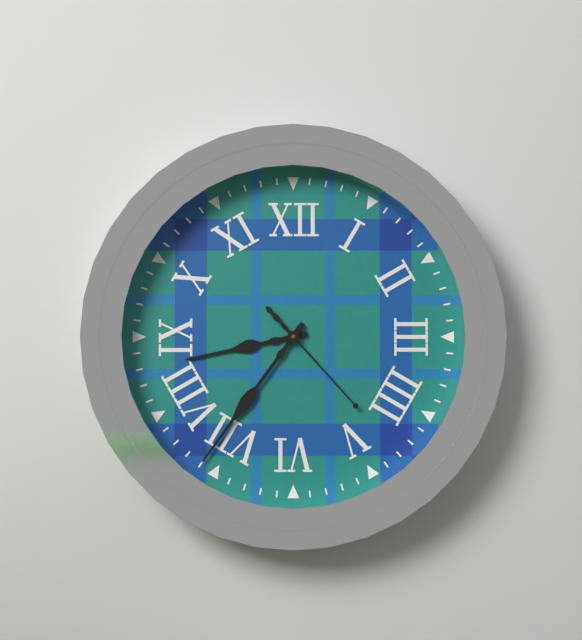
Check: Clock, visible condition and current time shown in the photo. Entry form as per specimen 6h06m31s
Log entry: 8h36m23s
